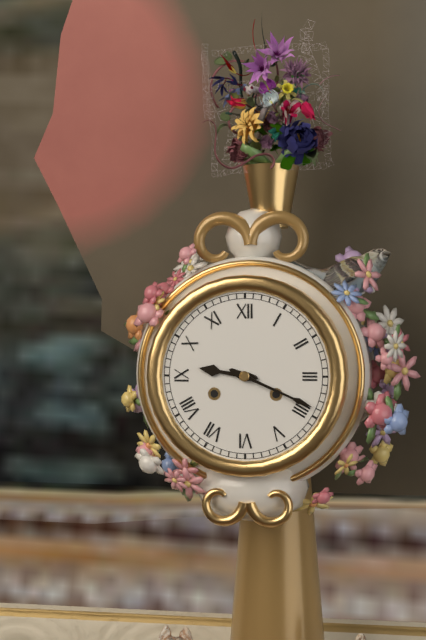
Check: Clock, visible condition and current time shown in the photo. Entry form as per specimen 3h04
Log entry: 9h19
